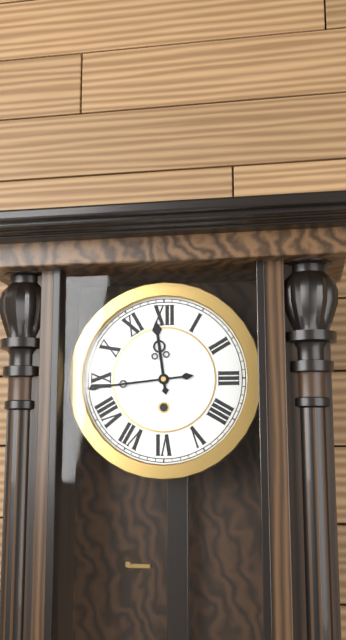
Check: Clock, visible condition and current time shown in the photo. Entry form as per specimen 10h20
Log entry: 11h44
